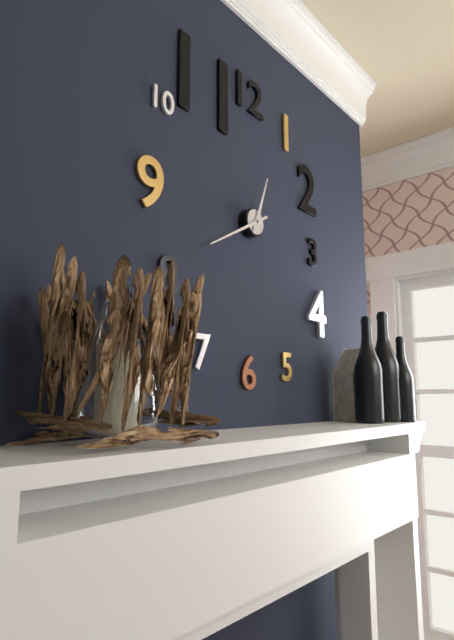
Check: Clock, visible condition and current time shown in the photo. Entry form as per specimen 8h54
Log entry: 12h40
